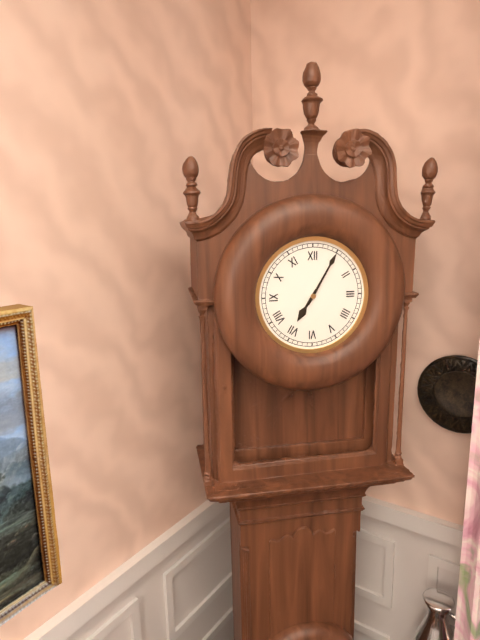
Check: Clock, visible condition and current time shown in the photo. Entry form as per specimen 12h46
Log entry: 7h05
